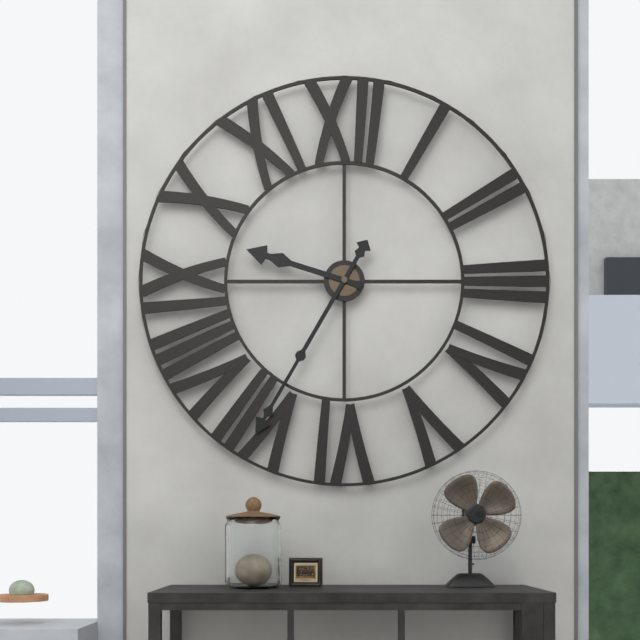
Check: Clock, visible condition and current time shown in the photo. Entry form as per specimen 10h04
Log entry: 9h35
